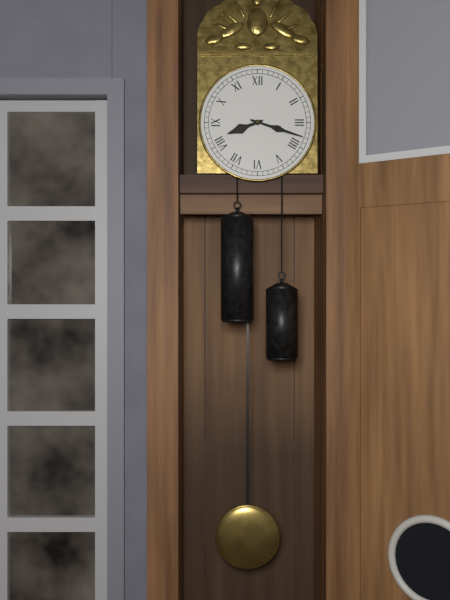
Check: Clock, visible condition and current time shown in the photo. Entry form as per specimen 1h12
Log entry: 8h18
